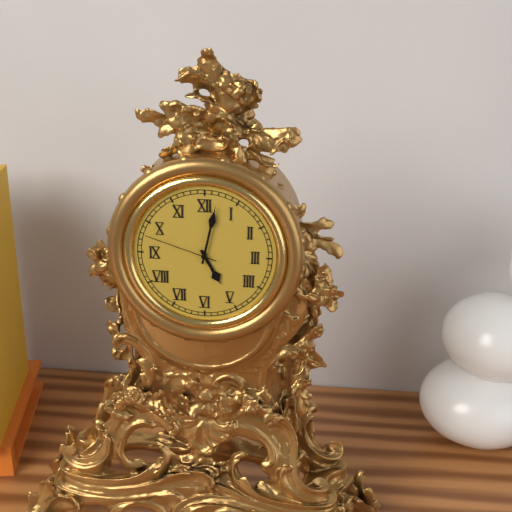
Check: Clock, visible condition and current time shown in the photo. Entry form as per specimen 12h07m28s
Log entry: 5h02m48s
